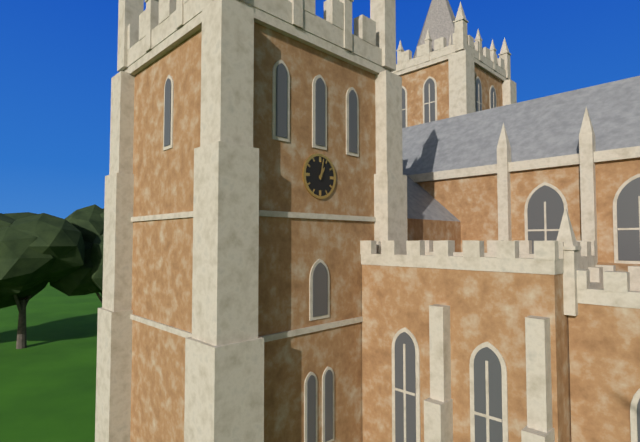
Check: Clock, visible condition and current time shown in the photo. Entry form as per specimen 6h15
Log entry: 1h02
